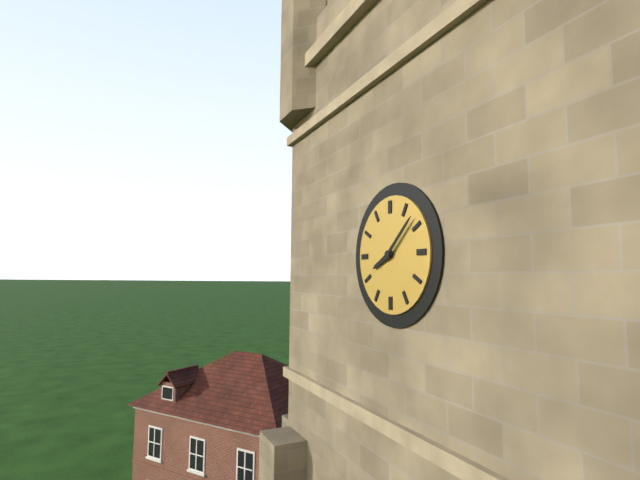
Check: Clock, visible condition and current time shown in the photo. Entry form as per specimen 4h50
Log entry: 8h08
